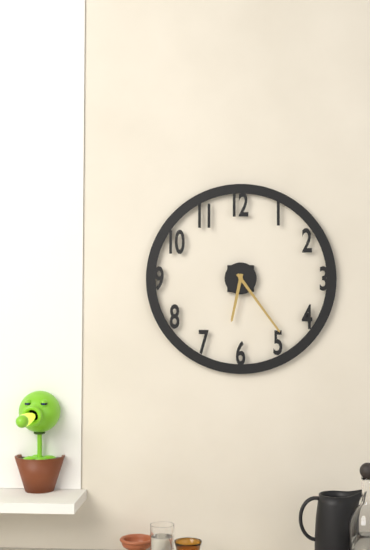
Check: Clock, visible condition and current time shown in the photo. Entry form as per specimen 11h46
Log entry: 6h24
